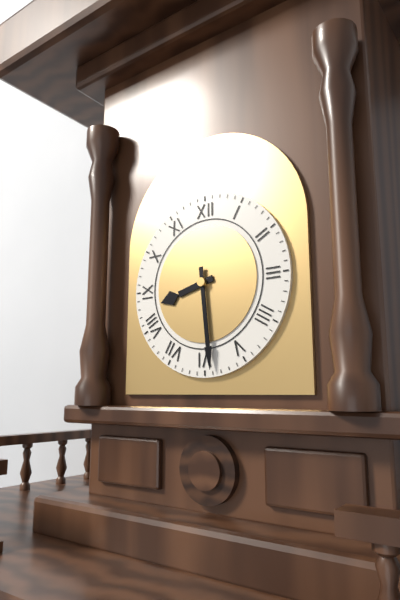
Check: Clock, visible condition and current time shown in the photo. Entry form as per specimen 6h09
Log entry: 8h29
